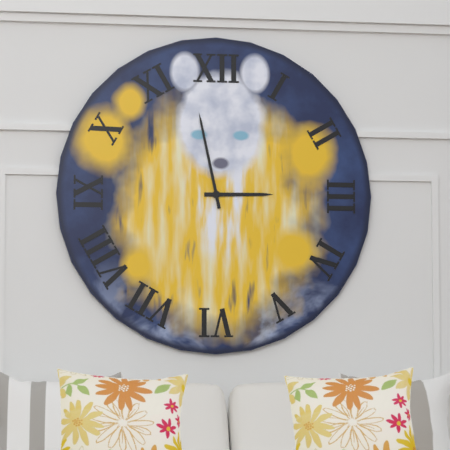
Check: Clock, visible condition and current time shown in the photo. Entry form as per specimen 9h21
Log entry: 2h58
